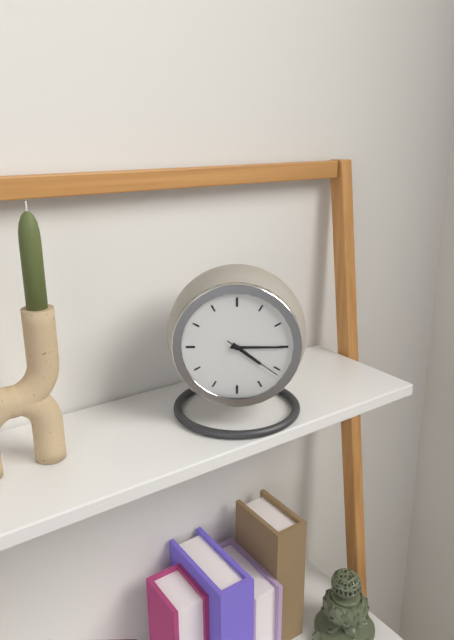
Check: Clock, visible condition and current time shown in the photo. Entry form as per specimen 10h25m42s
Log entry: 4h15m21s
